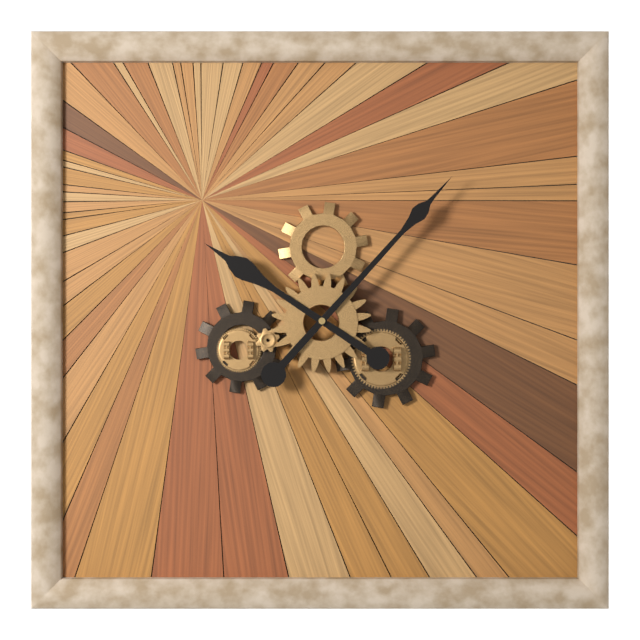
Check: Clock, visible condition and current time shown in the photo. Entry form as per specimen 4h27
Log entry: 10h07
